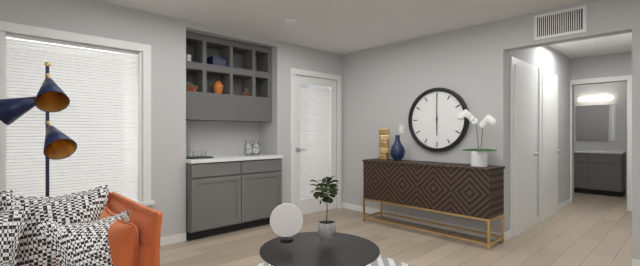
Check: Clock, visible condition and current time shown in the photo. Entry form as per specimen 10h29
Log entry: 6h00
